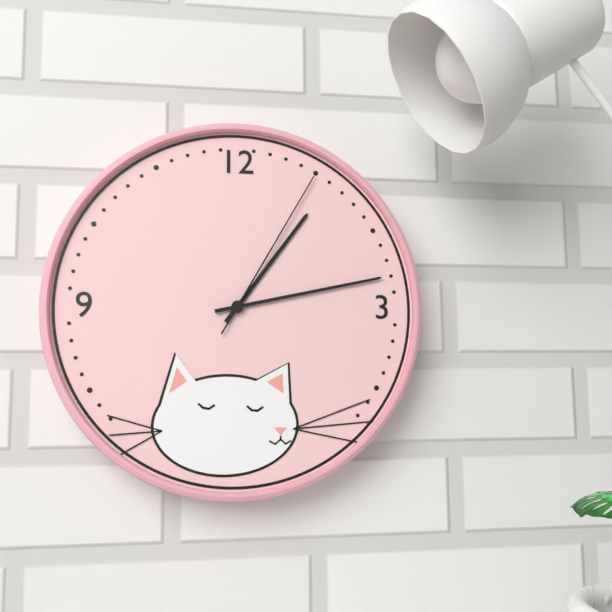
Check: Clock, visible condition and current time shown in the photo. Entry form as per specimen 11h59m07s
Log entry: 1h13m05s
